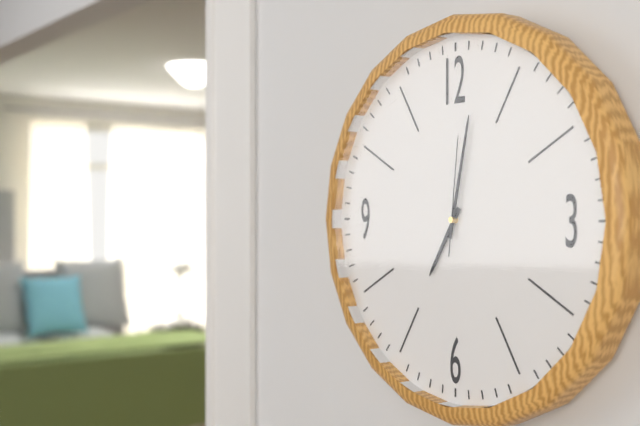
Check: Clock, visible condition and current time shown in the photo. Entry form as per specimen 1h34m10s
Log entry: 7h02m01s
